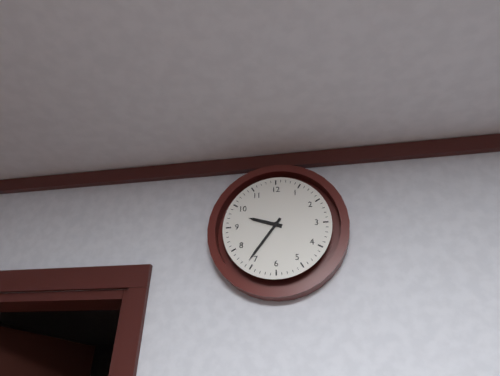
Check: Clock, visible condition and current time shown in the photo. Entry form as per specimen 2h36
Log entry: 9h36
